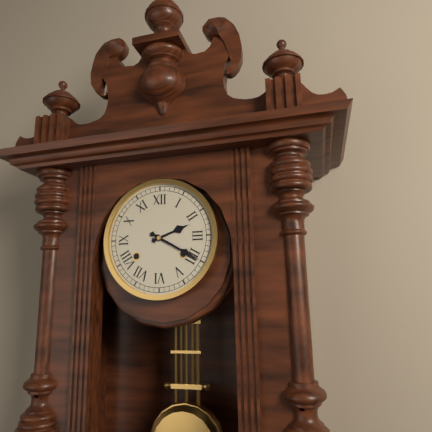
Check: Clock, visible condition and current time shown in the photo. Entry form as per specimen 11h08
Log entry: 2h20
